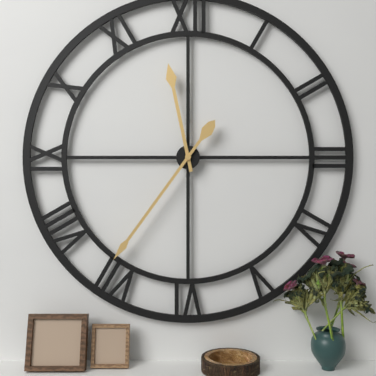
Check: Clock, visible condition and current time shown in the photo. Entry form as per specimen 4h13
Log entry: 11h36
